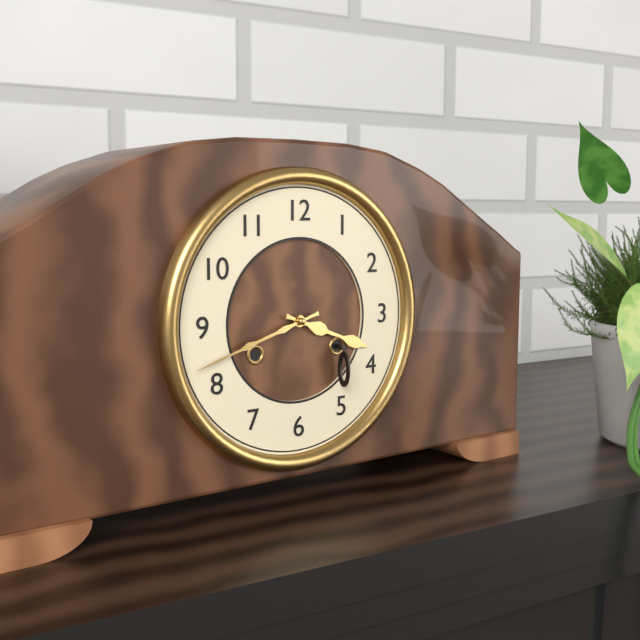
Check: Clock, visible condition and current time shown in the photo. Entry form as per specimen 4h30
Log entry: 3h42
